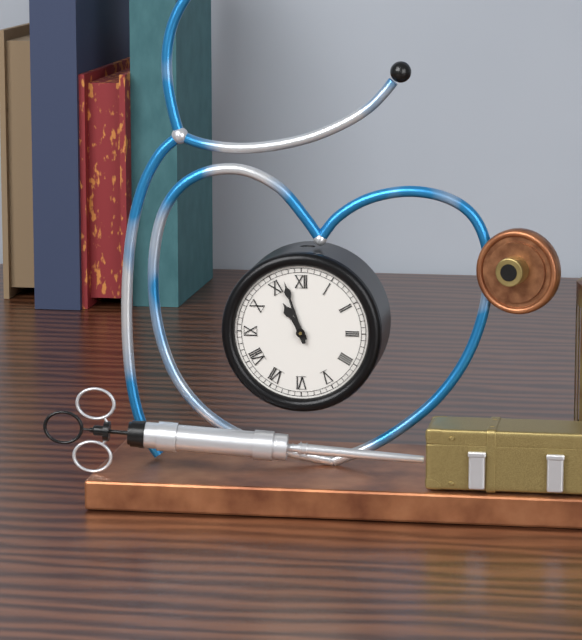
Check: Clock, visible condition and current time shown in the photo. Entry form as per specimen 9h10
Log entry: 10h57
